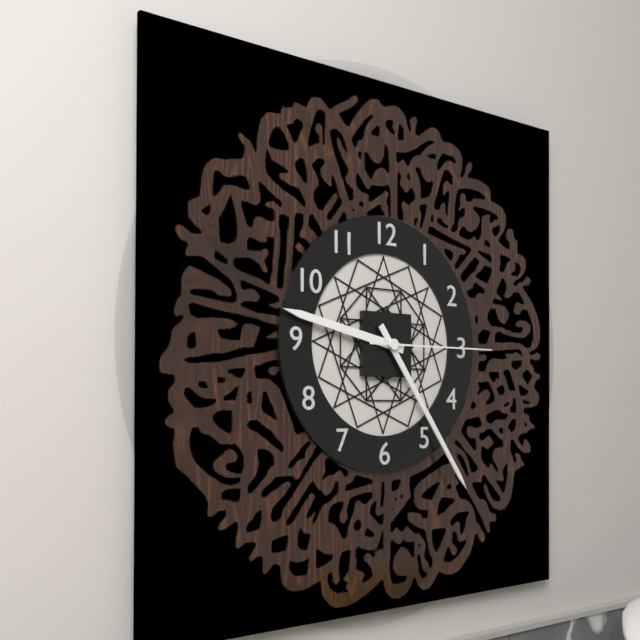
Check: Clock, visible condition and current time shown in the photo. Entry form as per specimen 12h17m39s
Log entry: 9h24m15s
